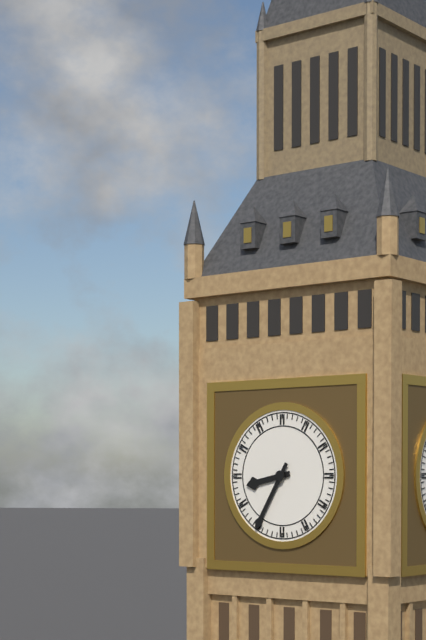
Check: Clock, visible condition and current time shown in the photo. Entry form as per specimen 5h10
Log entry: 8h35
